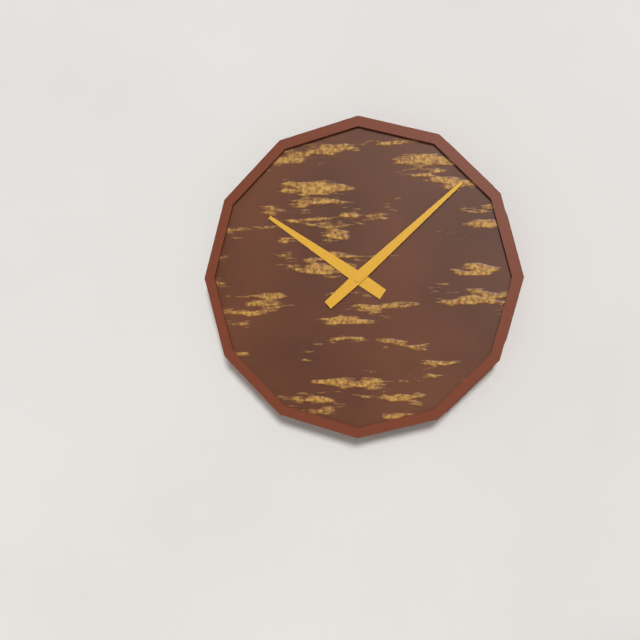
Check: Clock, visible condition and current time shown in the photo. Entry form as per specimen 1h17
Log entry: 10h08
